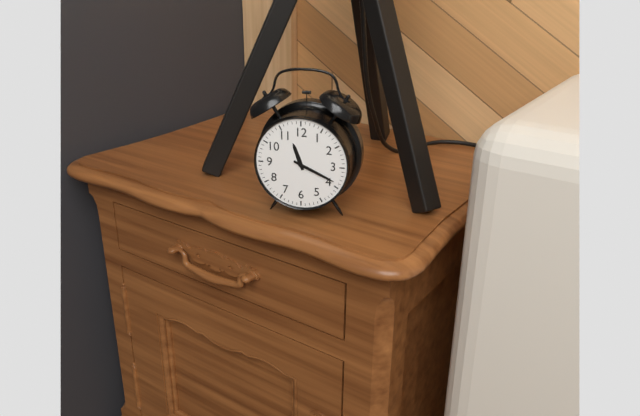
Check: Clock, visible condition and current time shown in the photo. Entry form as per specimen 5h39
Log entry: 11h19
